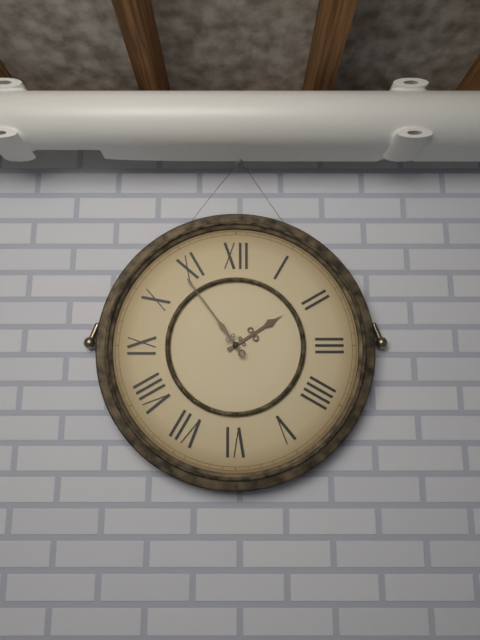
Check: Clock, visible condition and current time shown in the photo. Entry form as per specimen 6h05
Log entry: 1h54
